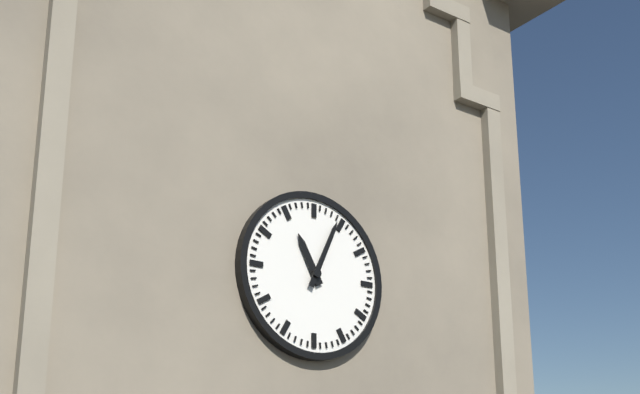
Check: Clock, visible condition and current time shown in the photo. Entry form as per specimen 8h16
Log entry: 11h04
